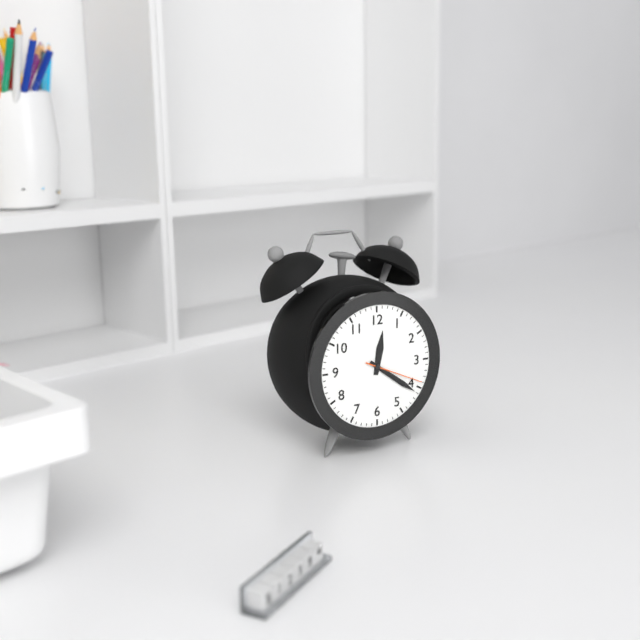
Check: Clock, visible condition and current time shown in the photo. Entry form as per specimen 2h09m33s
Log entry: 12h21m19s
